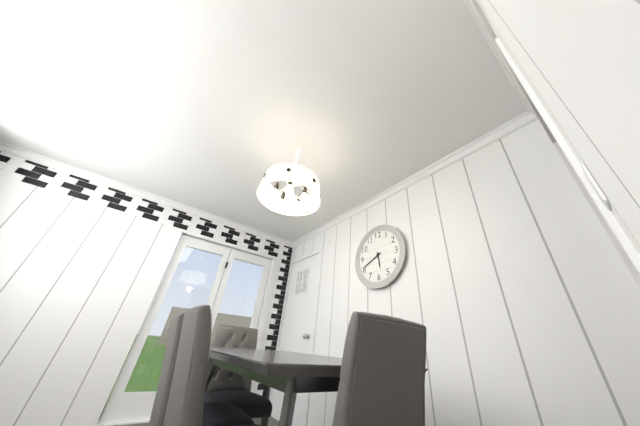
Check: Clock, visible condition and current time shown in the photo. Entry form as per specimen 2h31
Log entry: 5h41
